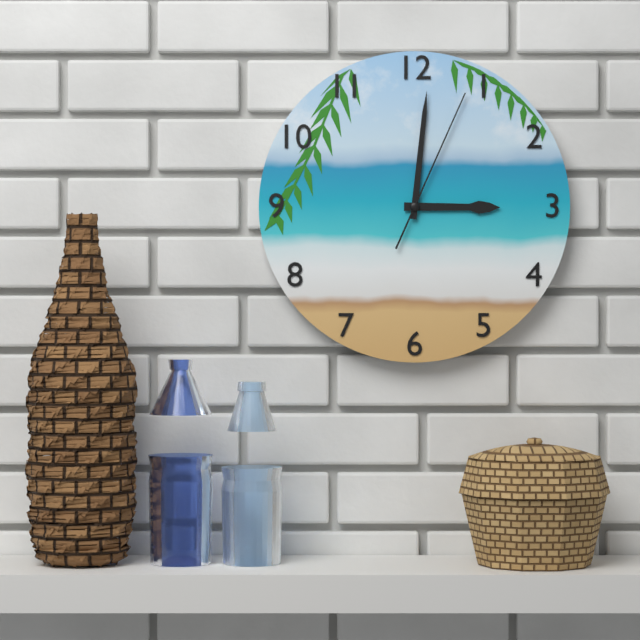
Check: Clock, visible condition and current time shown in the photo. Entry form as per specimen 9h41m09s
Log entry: 3h01m04s
